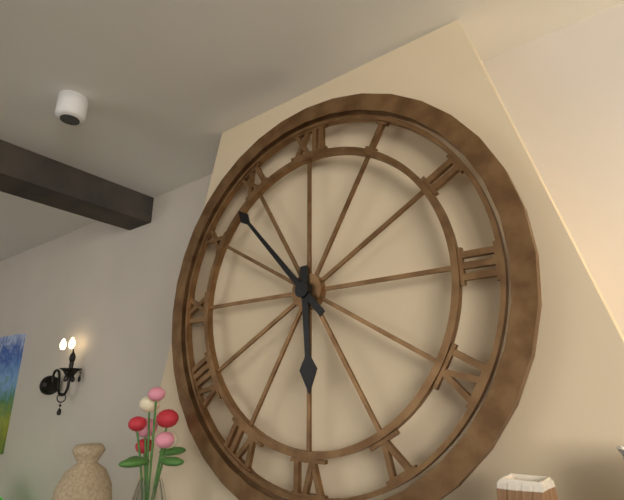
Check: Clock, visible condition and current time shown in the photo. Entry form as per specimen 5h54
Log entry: 5h53
